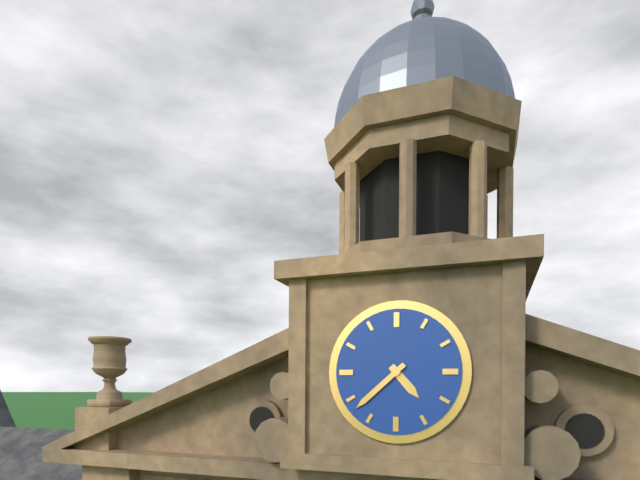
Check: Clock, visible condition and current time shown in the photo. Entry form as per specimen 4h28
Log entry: 4h38
